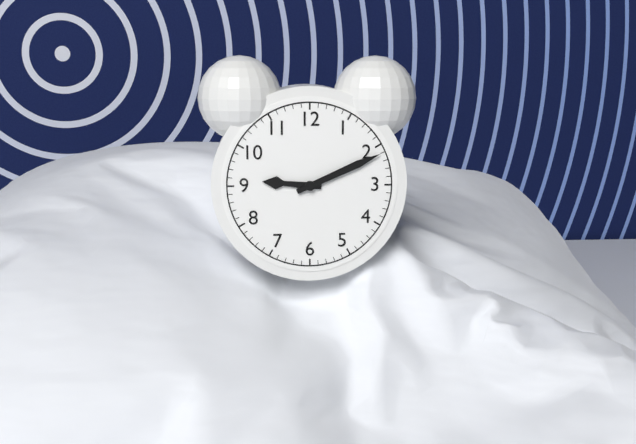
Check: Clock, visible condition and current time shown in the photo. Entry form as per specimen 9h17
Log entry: 9h11
